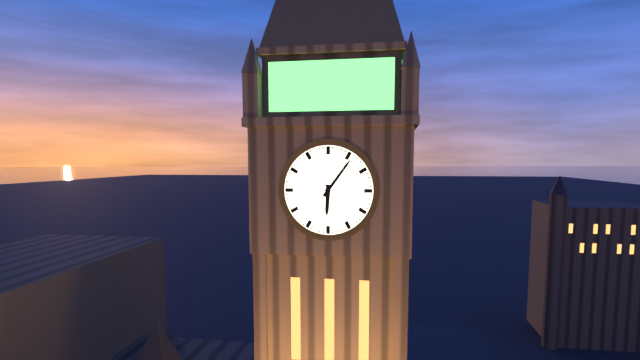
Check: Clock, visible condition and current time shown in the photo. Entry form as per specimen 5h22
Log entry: 6h06
